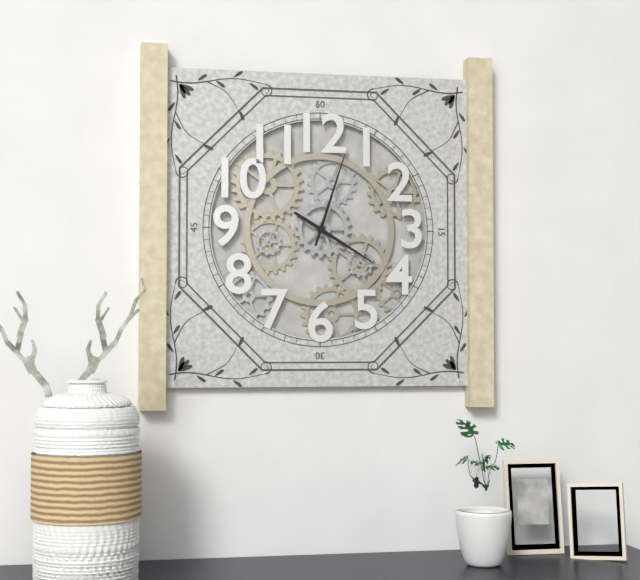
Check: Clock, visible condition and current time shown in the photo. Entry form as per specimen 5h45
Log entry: 4h03
